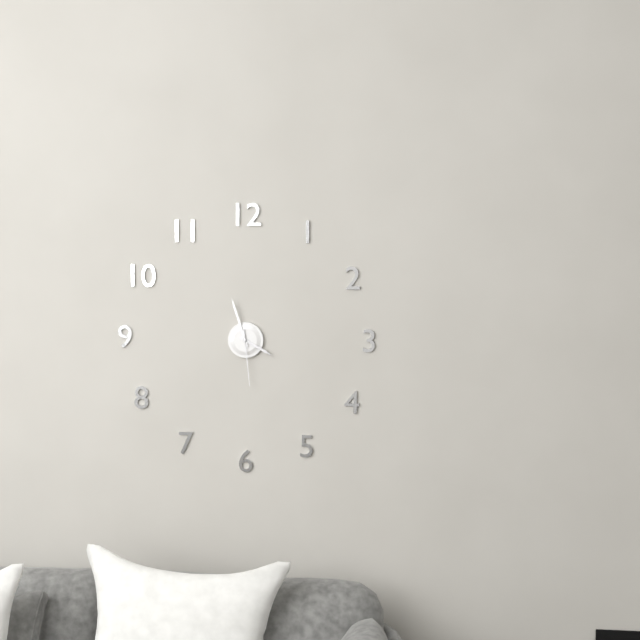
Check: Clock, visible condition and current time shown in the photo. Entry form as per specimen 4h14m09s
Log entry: 3h57m29s
